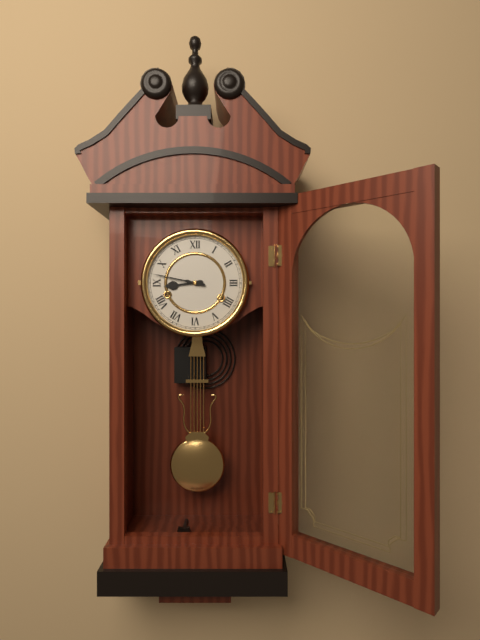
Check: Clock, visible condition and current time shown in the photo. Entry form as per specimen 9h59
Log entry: 8h47
